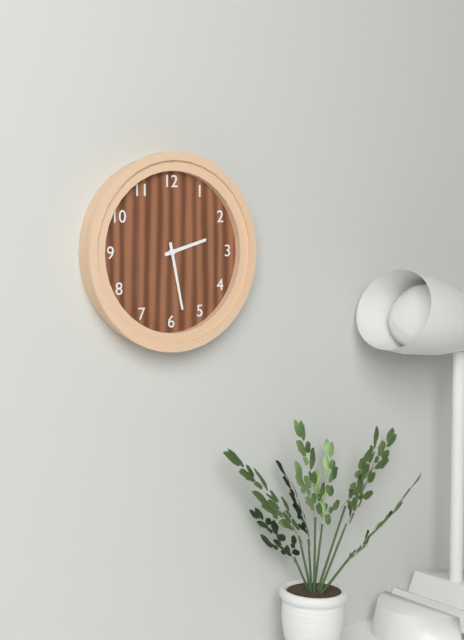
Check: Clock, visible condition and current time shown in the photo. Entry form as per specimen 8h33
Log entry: 2h28
